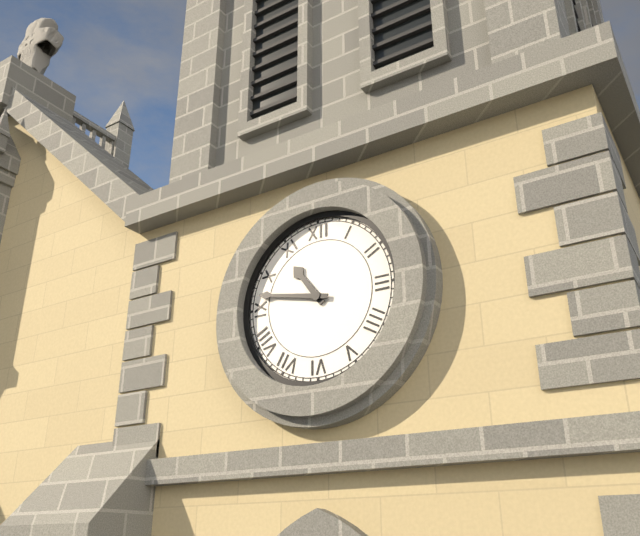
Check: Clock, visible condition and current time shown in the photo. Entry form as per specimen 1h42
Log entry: 10h47
